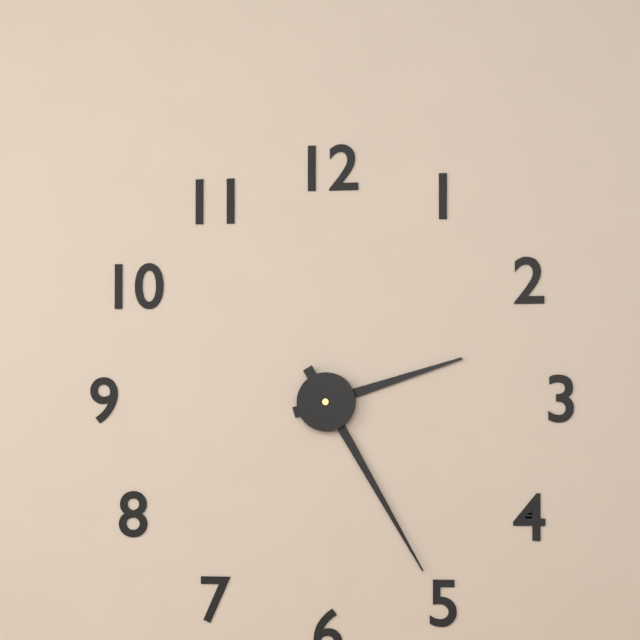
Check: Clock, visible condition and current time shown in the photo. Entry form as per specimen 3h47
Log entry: 2h25
